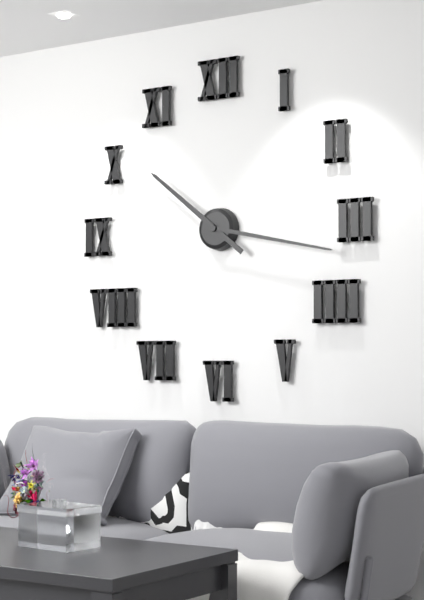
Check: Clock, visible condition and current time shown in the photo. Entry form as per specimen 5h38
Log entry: 10h17
